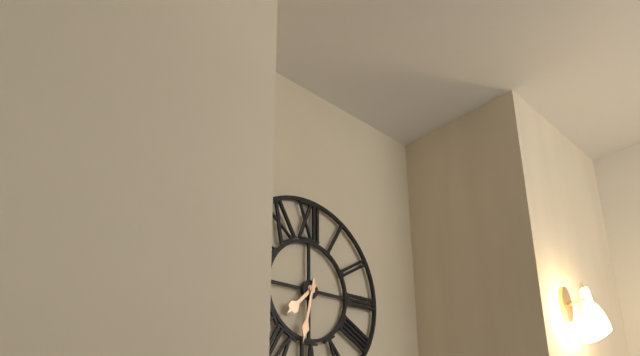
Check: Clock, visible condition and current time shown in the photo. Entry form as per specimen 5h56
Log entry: 7h32
